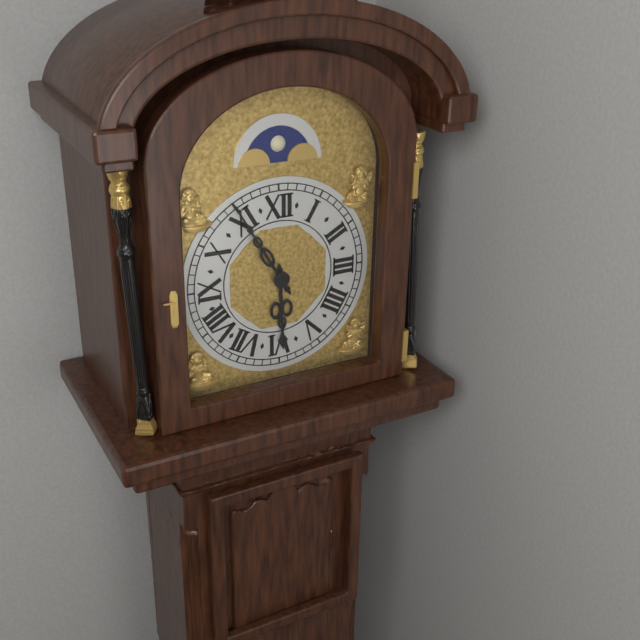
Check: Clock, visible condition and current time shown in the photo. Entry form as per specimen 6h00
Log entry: 5h55
